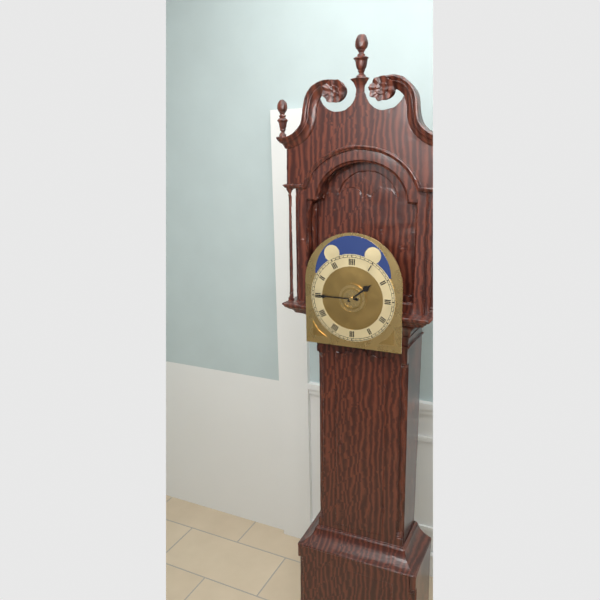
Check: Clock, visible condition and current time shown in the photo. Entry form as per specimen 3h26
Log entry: 1h45
